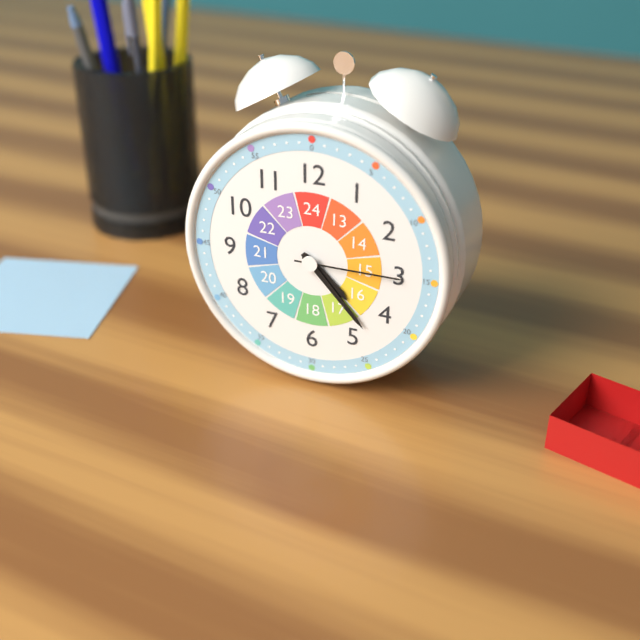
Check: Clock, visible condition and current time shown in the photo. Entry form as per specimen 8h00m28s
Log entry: 4h23m15s
